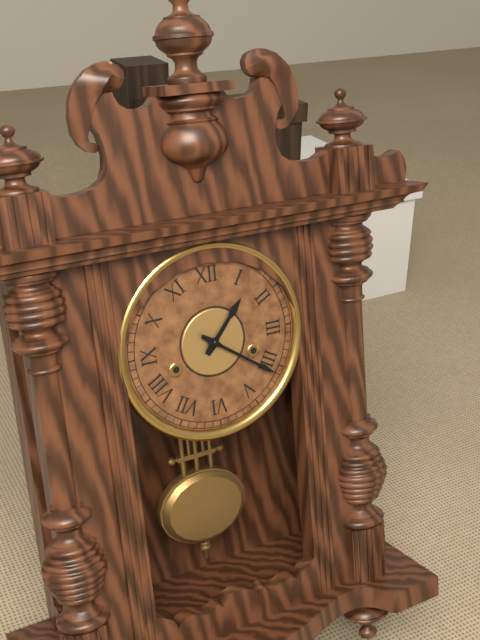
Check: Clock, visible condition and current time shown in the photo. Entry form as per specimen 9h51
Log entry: 1h21
